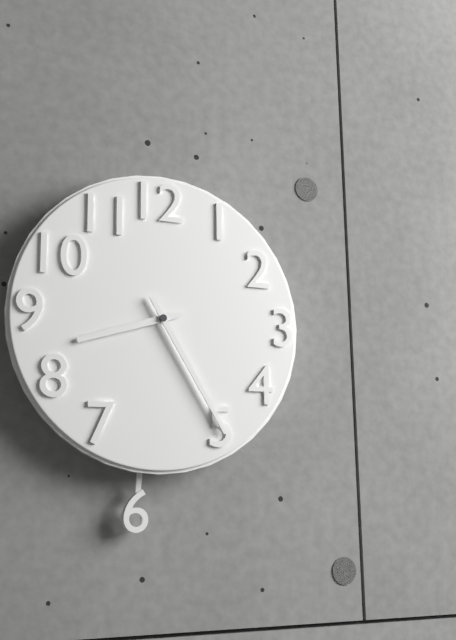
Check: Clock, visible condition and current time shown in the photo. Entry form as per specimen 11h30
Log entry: 8h25
